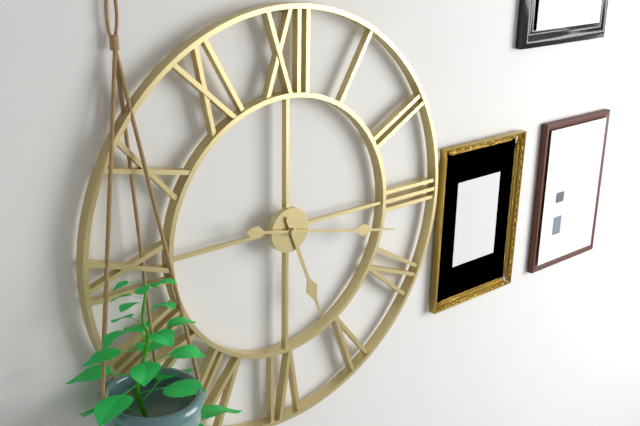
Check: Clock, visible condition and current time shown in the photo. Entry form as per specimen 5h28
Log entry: 5h17
